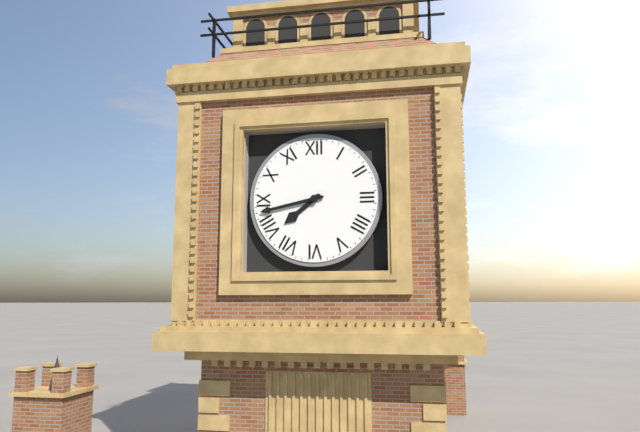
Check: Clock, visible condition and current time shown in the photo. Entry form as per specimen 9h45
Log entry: 7h43
